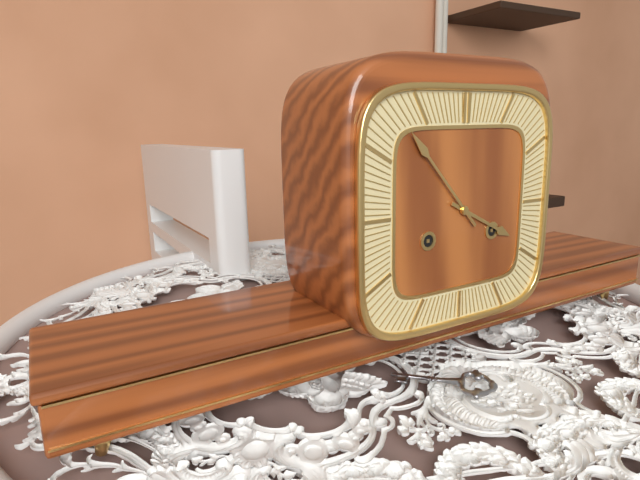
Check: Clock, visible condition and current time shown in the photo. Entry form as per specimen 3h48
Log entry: 3h53
